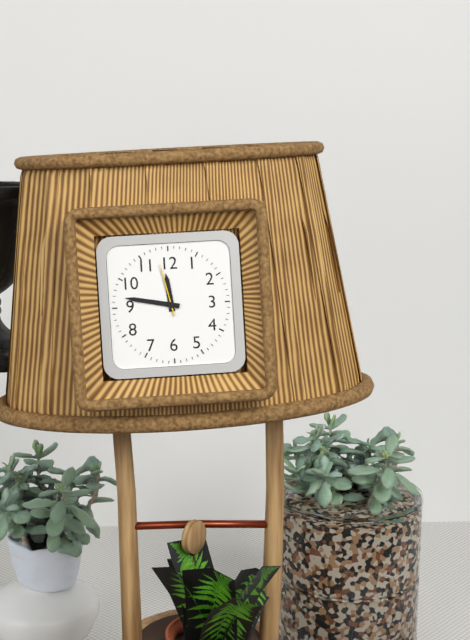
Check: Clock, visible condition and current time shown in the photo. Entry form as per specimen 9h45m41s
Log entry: 11h47m58s
